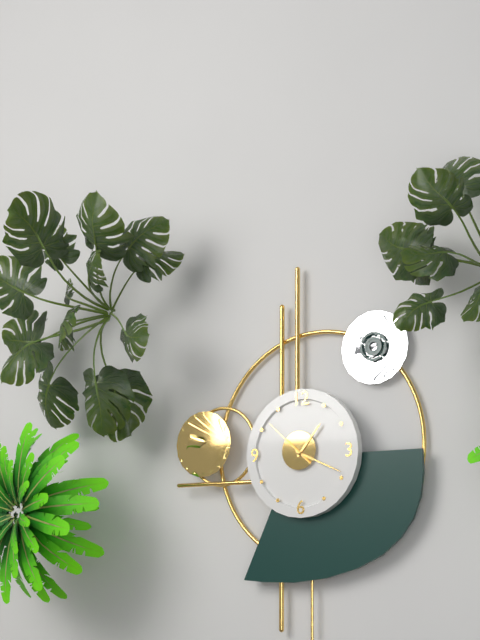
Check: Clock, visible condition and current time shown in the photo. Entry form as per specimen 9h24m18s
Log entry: 1h19m52s
